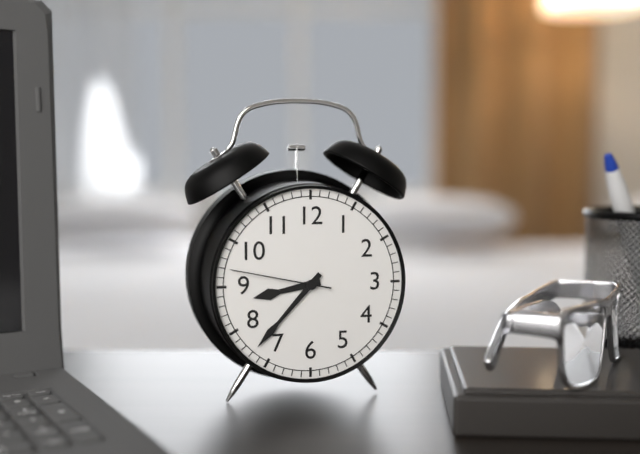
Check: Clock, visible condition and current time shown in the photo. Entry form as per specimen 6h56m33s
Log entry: 8h37m47s
